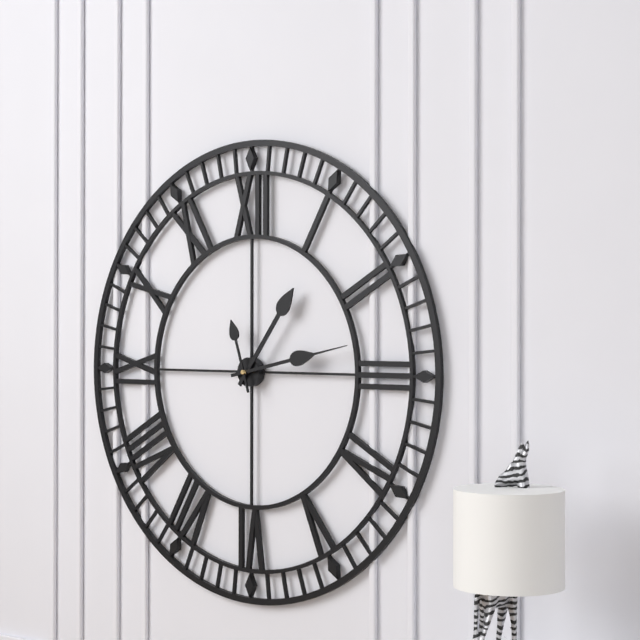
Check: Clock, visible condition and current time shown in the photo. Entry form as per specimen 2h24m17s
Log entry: 1h13m57s
